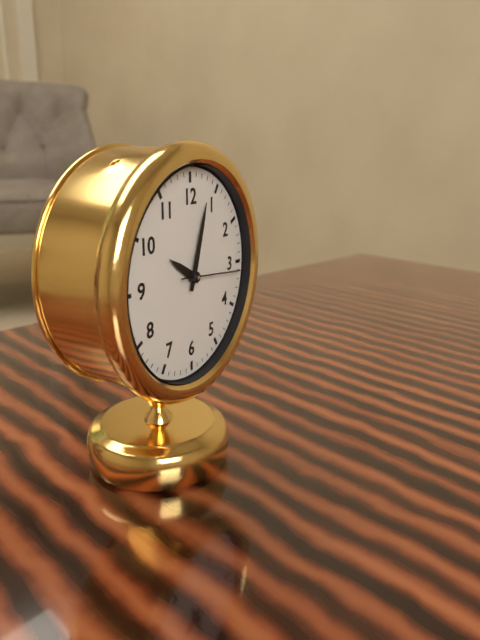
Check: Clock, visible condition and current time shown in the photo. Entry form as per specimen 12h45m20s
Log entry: 10h03m16s
